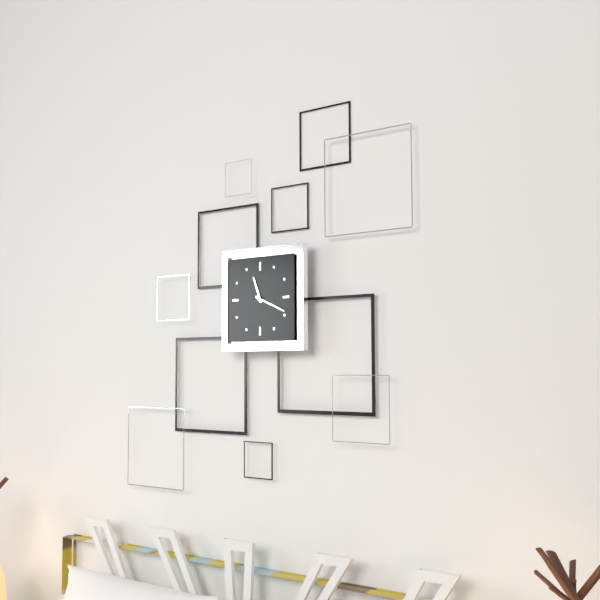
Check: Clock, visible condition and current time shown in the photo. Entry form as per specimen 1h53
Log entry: 11h19
